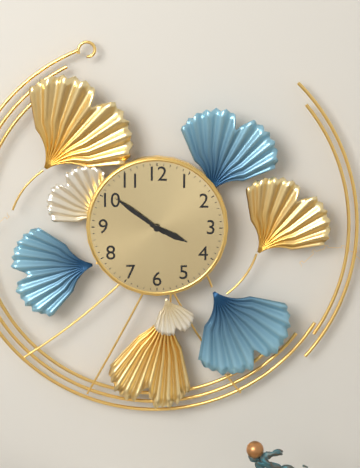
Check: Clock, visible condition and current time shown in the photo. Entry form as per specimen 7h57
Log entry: 3h51
